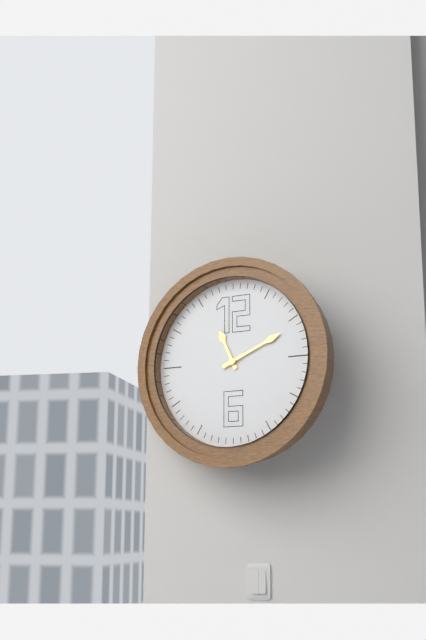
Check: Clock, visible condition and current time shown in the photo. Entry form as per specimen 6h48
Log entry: 11h11
